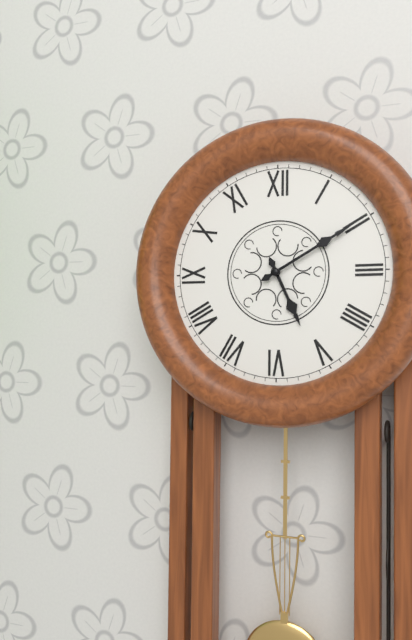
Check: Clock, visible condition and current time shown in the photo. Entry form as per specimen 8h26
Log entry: 5h10
